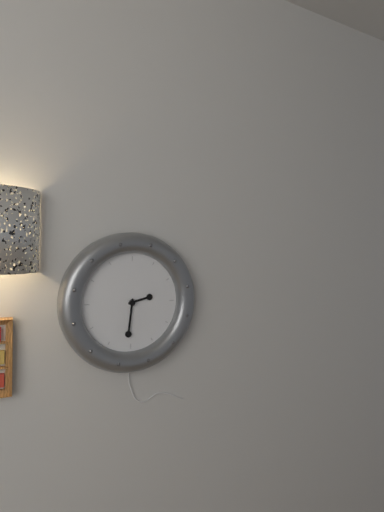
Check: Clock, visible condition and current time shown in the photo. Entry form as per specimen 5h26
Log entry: 2h31
